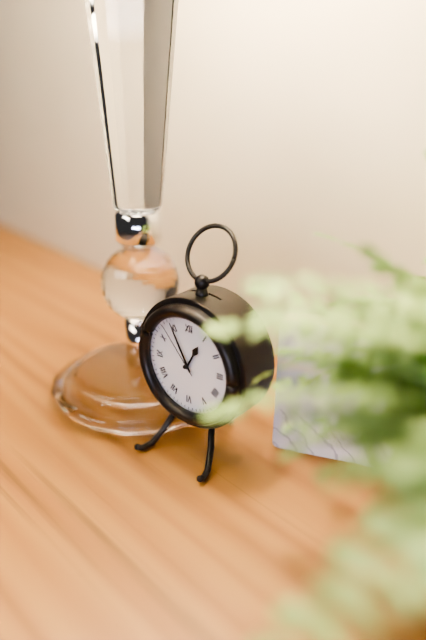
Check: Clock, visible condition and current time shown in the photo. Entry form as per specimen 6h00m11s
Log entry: 12h55m53s
